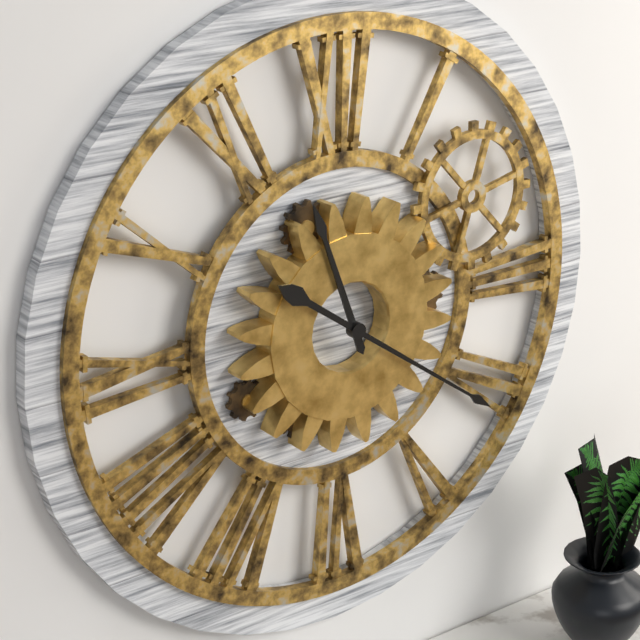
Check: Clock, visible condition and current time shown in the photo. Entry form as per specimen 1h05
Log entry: 11h21
